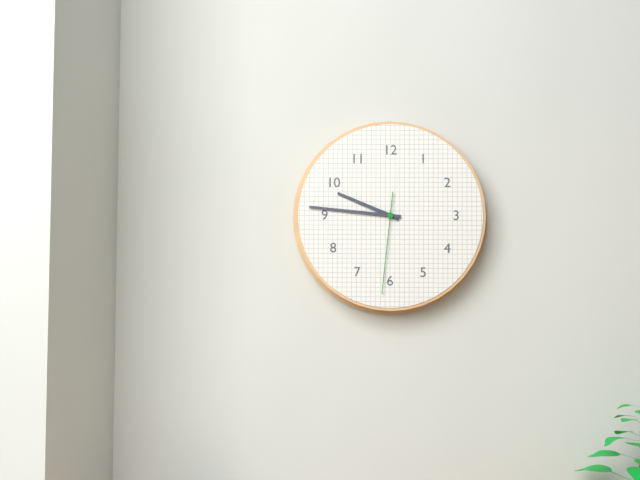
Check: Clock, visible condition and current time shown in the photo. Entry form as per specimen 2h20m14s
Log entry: 9h46m31s
